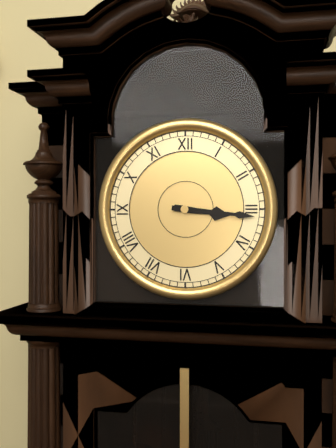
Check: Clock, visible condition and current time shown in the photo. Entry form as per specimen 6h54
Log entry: 3h16
